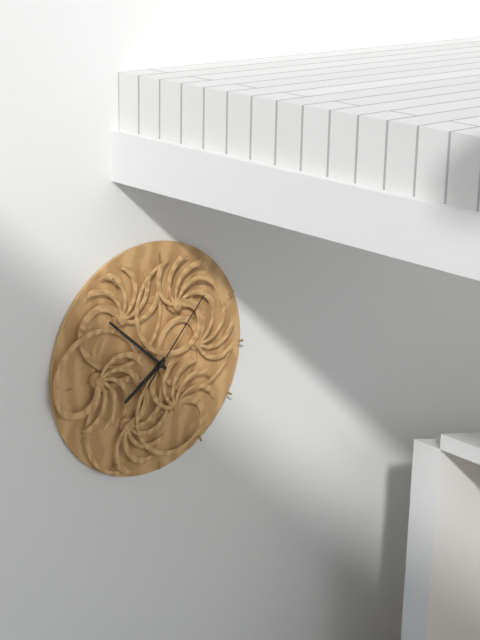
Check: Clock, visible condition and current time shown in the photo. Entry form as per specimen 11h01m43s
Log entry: 7h52m07s
